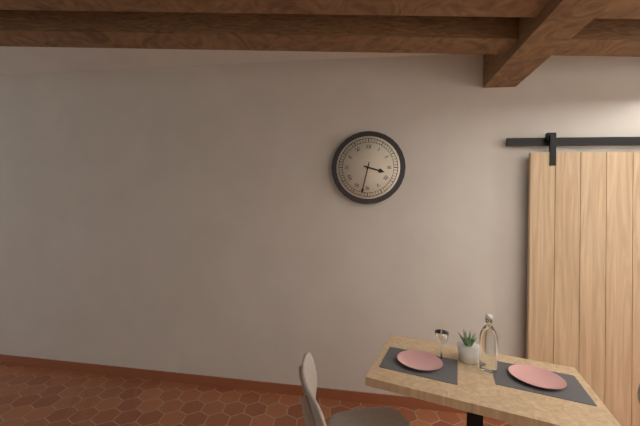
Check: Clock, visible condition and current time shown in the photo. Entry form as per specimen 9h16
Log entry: 3h32
